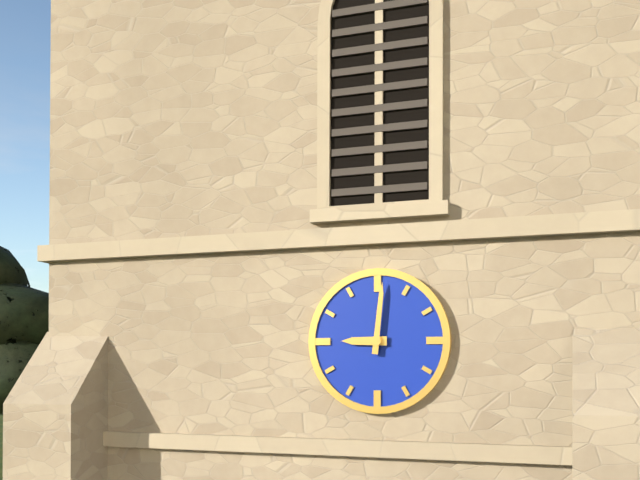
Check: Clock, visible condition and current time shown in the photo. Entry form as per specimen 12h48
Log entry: 9h01
